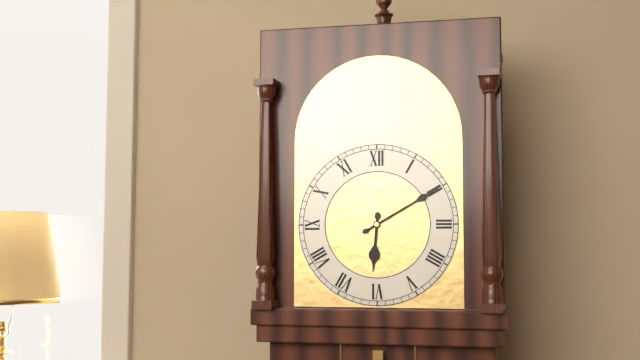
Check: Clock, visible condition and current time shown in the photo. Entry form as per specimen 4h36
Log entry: 6h10
